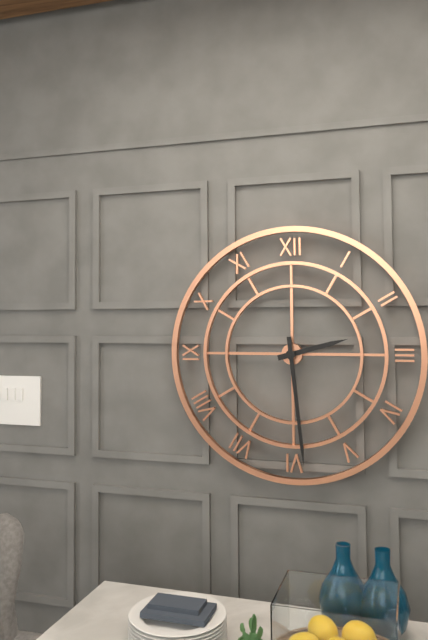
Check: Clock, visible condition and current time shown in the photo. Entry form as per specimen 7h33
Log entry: 2h29
